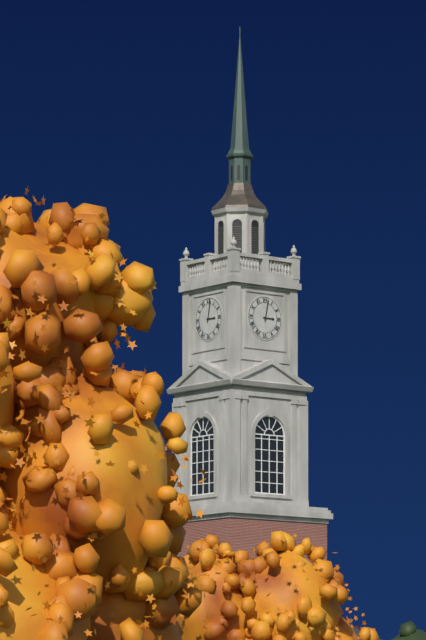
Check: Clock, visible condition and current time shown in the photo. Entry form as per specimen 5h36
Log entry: 3h02
